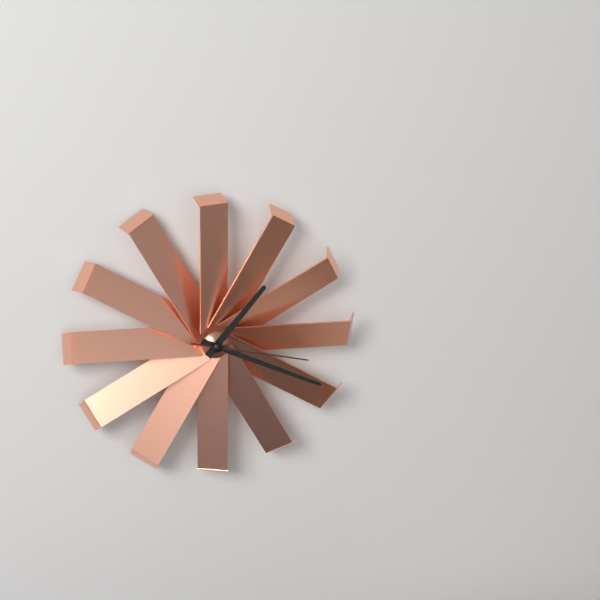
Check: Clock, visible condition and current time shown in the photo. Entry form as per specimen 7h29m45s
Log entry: 1h19m17s
